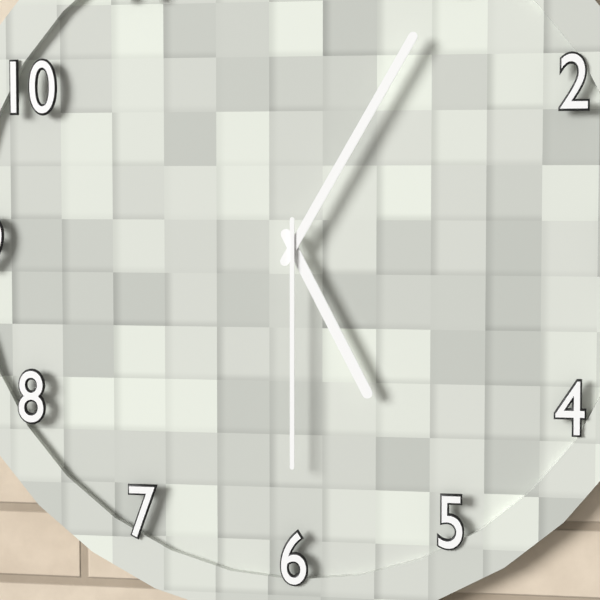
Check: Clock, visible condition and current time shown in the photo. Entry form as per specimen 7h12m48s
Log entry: 5h05m30s
